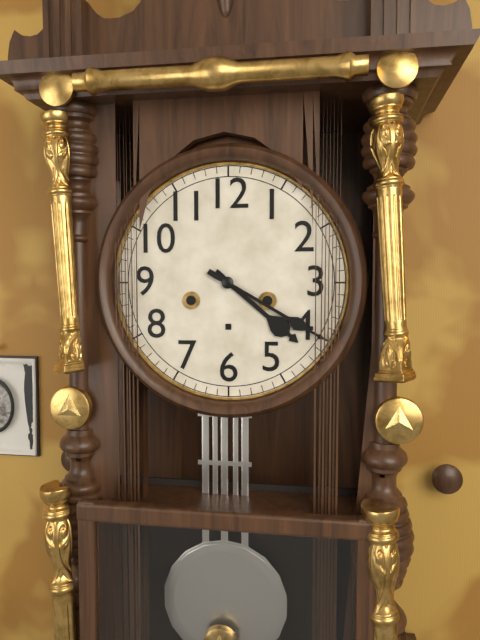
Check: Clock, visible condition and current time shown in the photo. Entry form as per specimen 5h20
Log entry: 4h20
